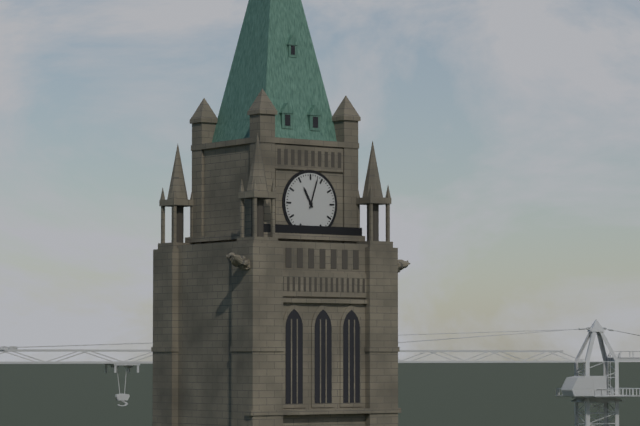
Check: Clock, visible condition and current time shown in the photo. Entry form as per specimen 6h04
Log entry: 11h03
